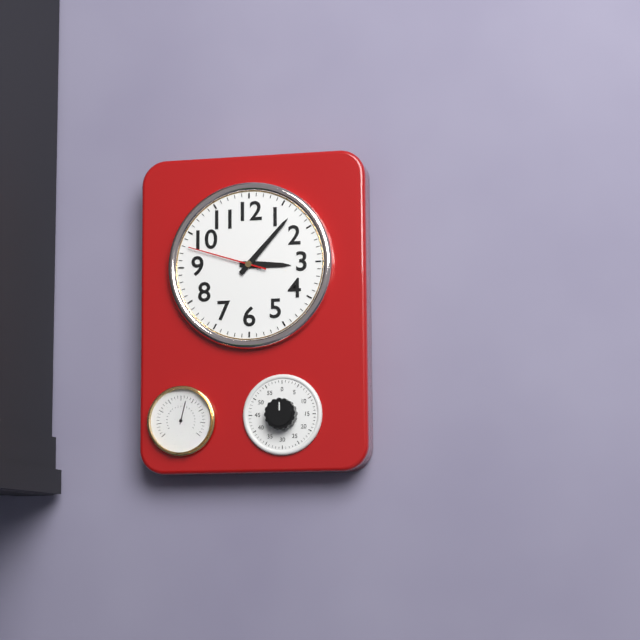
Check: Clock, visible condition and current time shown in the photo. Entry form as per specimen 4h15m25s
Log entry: 3h07m48s
